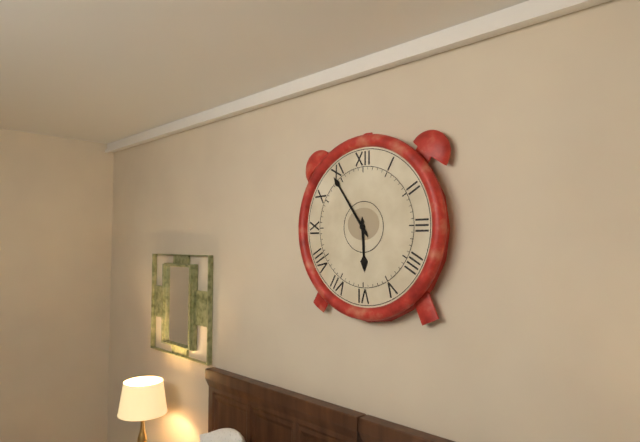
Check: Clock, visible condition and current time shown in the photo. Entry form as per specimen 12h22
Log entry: 5h54
